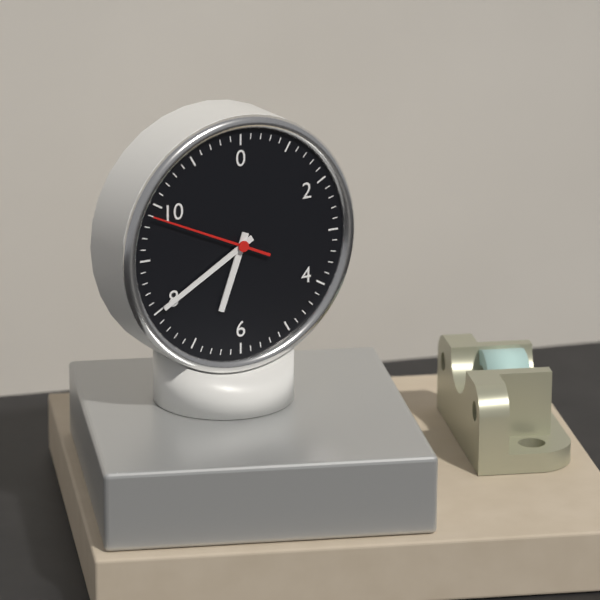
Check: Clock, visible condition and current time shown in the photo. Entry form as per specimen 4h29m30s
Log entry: 6h40m49s
